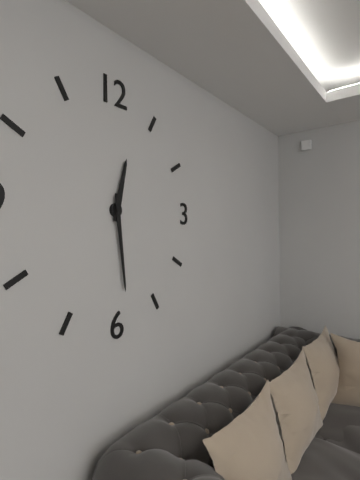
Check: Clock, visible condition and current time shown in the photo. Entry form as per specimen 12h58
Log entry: 12h29
